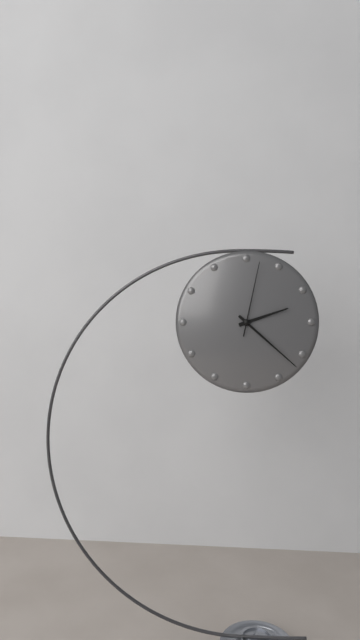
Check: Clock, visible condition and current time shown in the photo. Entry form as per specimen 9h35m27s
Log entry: 2h22m02s
